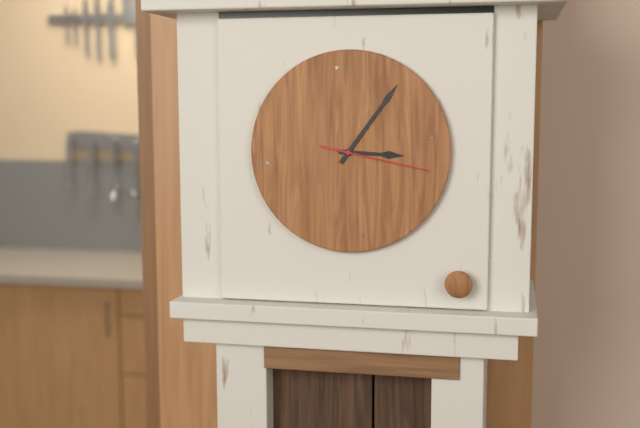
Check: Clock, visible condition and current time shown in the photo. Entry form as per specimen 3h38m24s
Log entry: 3h06m17s
